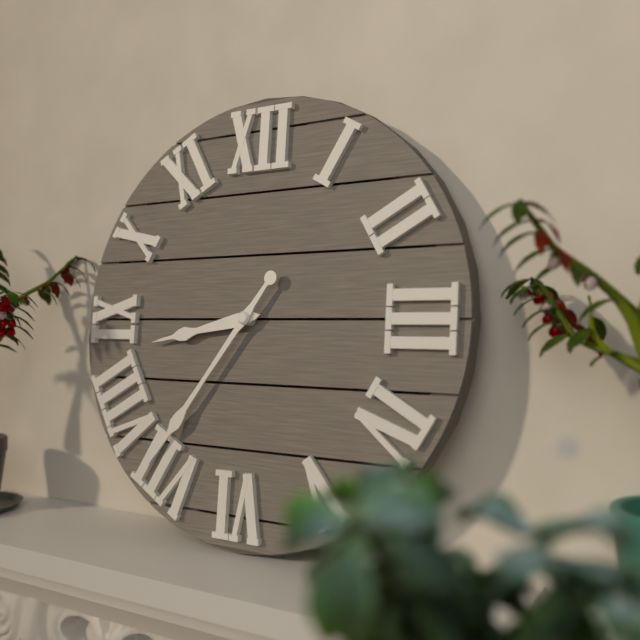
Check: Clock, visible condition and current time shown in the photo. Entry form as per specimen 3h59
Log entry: 8h36
